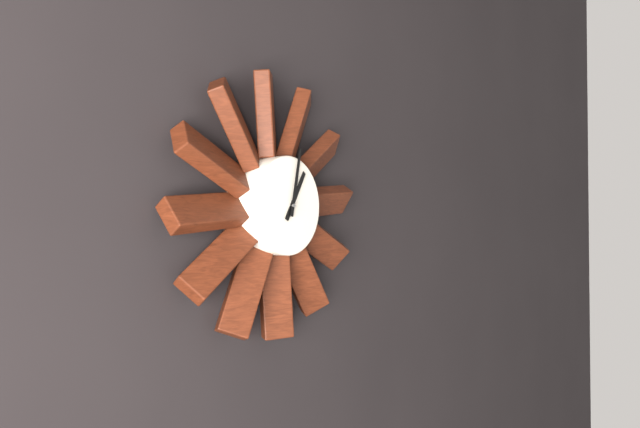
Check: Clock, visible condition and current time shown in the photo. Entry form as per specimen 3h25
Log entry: 1h02
